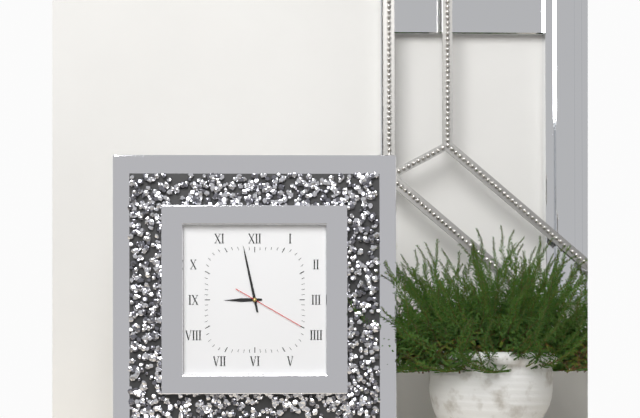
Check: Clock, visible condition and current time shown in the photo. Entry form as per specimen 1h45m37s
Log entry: 8h58m20s
